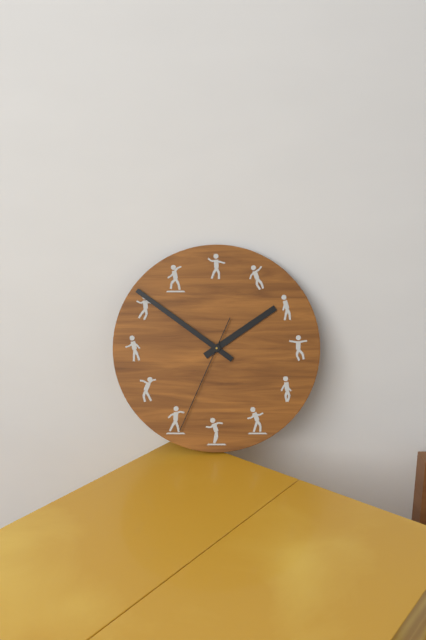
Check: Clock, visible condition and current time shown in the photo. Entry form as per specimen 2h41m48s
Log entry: 1h51m34s
